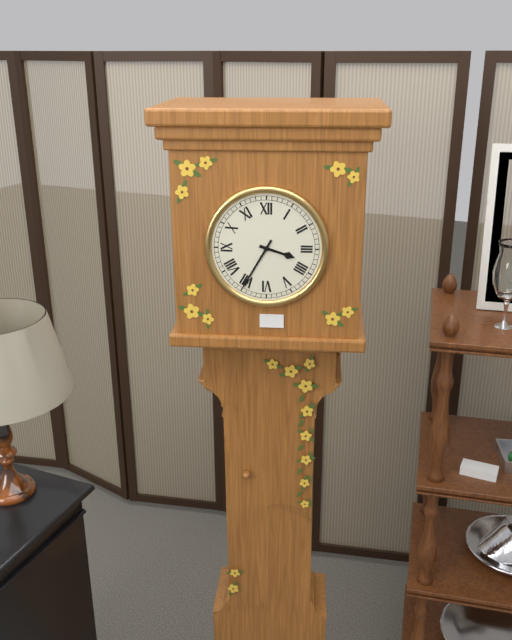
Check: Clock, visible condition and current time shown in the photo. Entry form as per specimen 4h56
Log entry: 3h35
